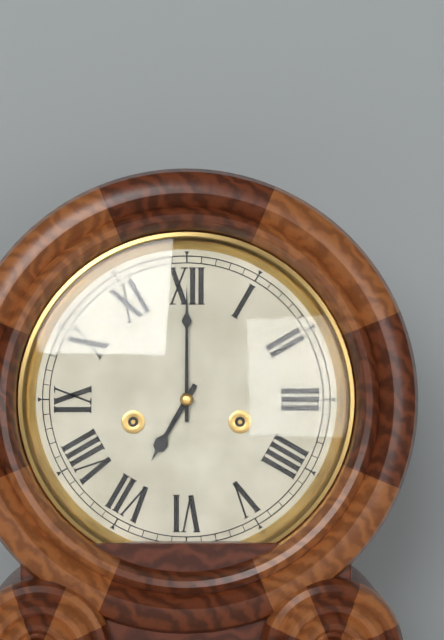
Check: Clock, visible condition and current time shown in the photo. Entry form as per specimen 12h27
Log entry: 7h00
